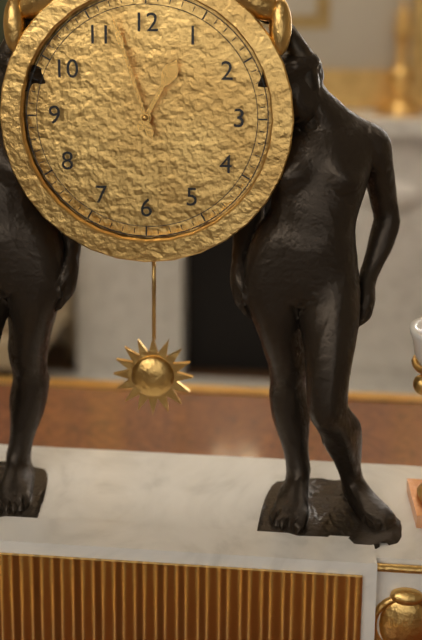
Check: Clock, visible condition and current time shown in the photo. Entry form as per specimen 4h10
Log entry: 12h57
